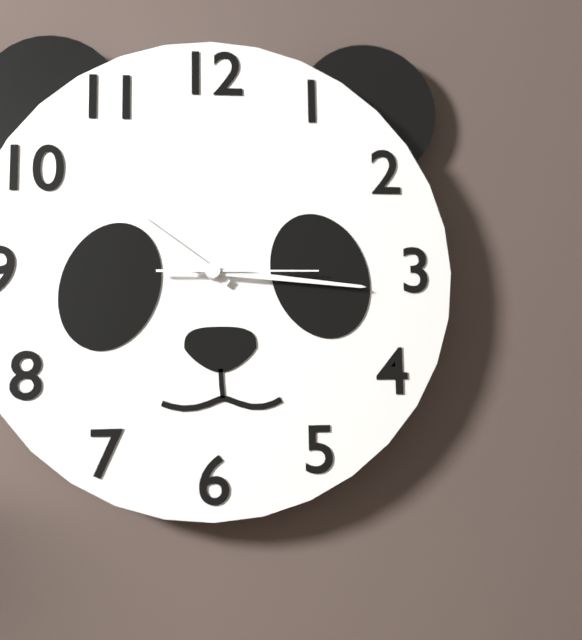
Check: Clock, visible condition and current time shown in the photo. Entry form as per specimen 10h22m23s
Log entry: 10h16m15s
